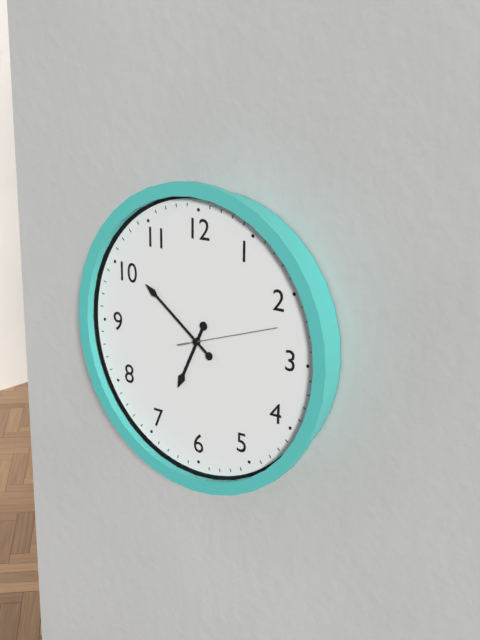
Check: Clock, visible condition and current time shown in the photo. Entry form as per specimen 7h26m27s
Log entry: 6h51m12s
